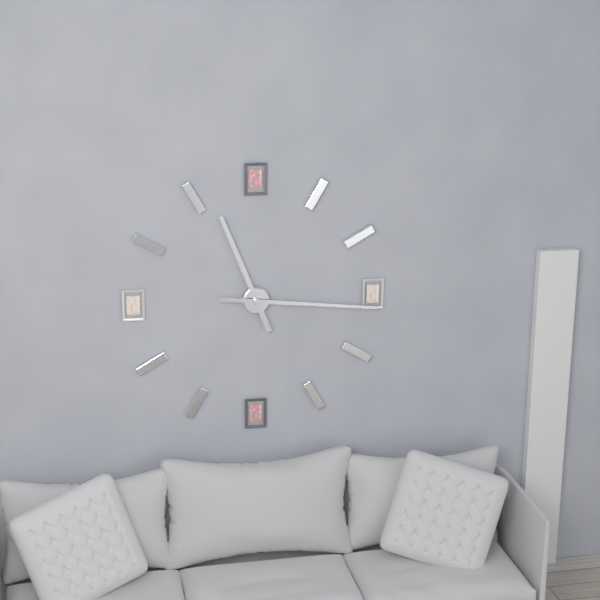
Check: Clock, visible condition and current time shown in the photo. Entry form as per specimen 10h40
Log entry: 11h16
